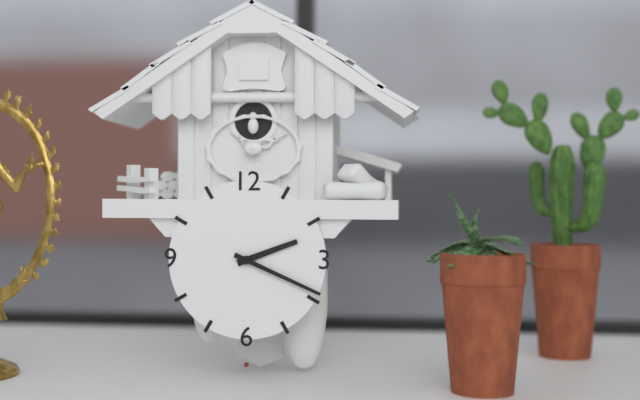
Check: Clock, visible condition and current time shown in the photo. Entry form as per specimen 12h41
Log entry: 2h19
